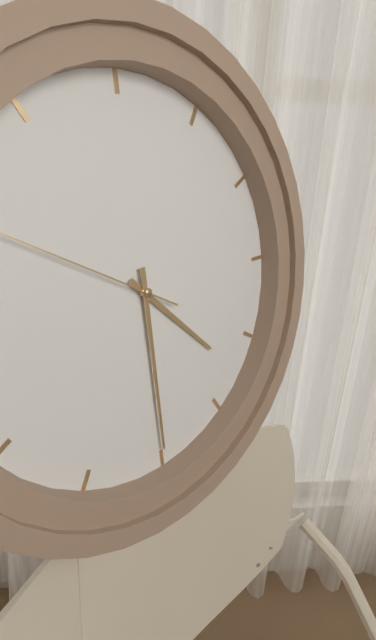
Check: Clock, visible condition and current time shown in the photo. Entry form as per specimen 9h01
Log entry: 4h30
